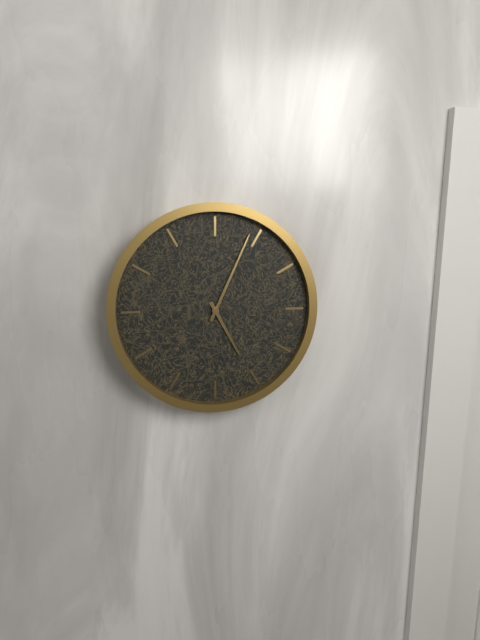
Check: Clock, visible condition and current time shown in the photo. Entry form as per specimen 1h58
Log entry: 5h04
